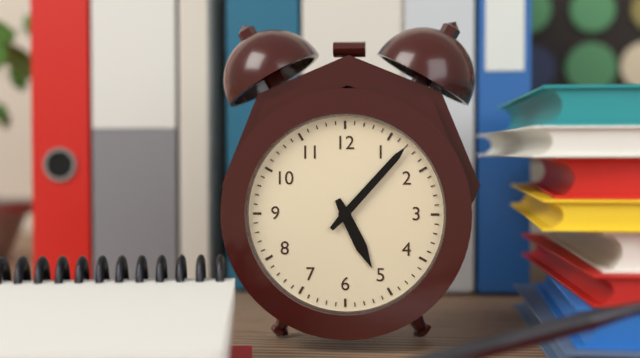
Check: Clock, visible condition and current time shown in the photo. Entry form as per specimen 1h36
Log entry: 5h07
